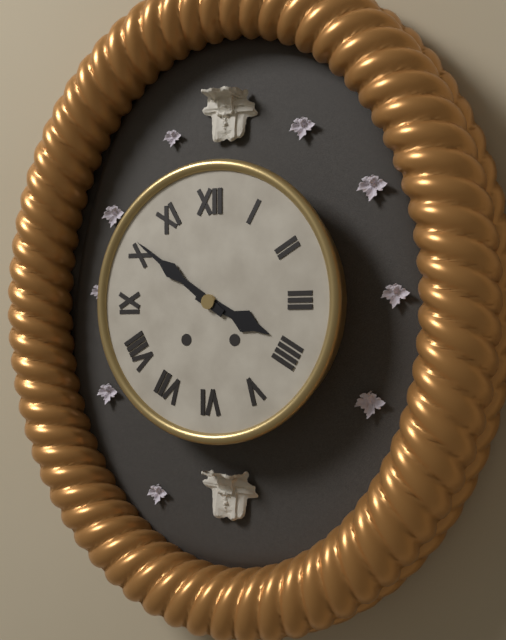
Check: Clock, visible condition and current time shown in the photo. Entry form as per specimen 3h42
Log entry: 3h51
